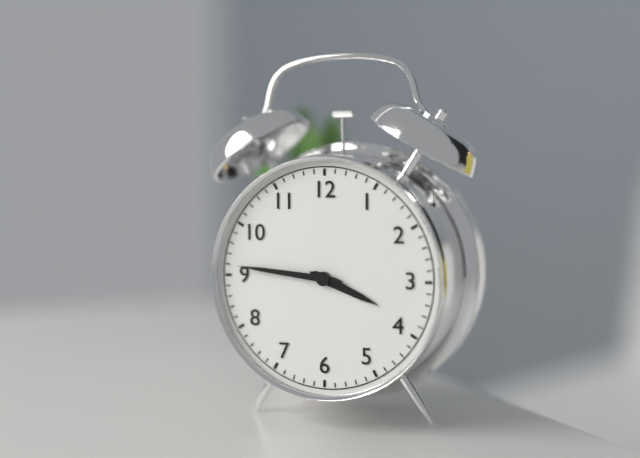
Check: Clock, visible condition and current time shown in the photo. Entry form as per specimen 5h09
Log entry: 3h46
